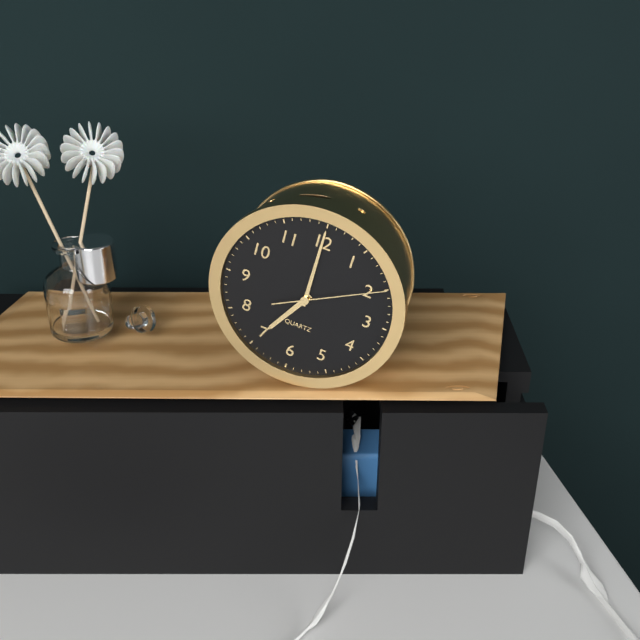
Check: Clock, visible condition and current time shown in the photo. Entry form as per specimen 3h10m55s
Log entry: 7h00m10s
